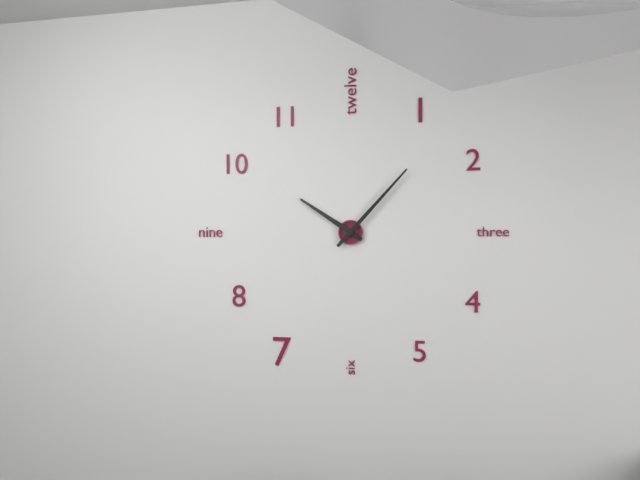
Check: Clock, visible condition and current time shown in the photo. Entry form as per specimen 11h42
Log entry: 10h07
